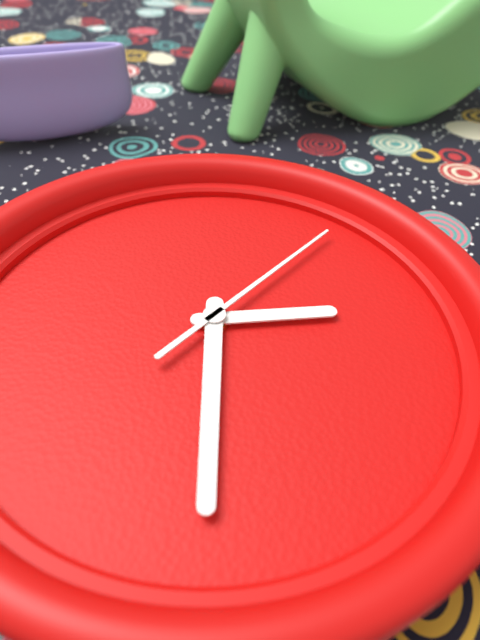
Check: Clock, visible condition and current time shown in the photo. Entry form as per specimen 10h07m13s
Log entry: 3h34m11s
